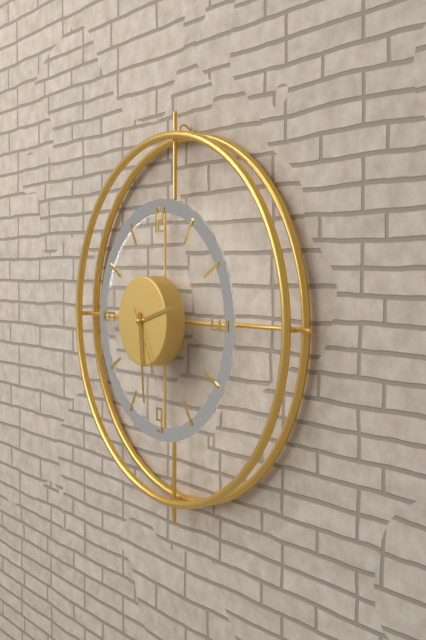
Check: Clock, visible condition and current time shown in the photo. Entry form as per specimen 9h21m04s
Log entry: 2h29m25s
